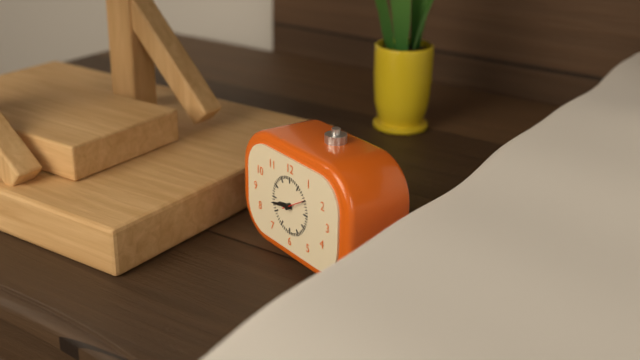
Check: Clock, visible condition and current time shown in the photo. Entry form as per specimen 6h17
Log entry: 8h43
